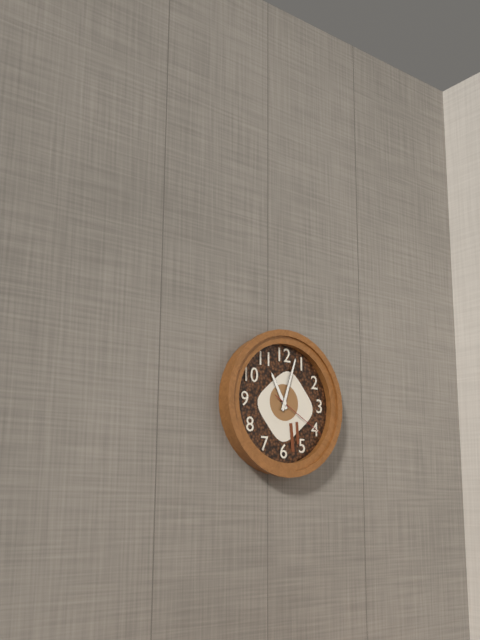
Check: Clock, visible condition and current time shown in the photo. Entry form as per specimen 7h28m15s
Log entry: 11h03m20s
